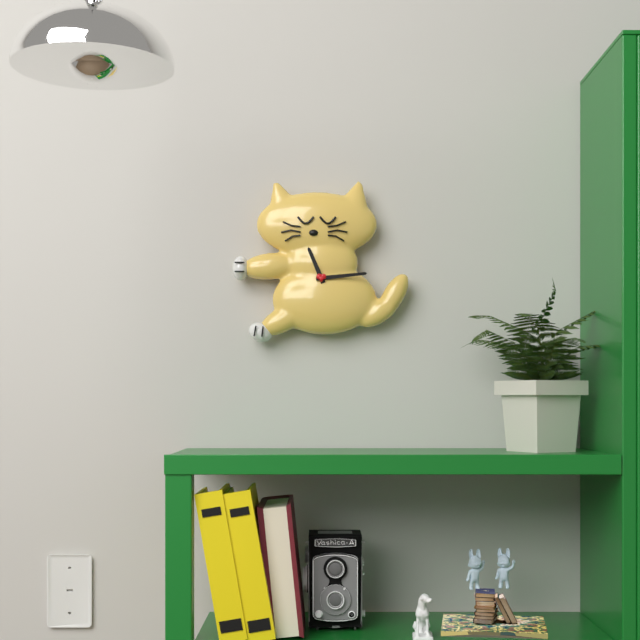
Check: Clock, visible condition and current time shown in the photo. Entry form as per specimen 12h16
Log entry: 11h14
